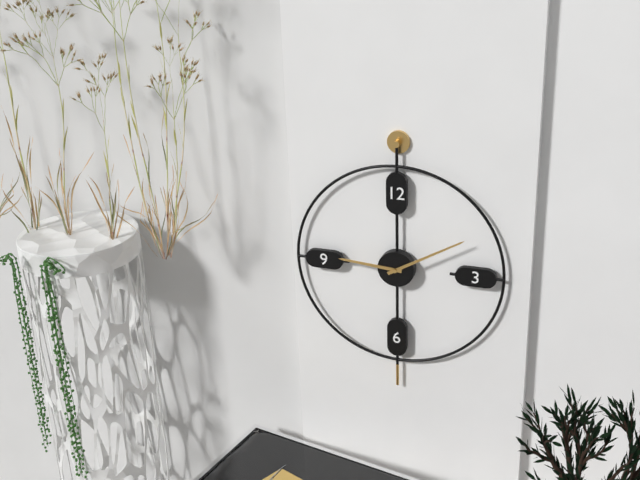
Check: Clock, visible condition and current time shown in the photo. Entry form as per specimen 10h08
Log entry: 9h10
